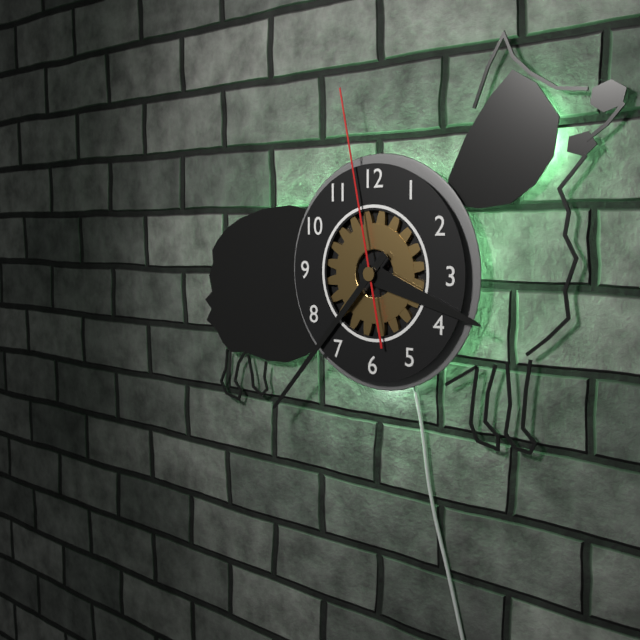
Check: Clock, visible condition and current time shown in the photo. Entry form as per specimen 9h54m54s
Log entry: 3h37m58s
